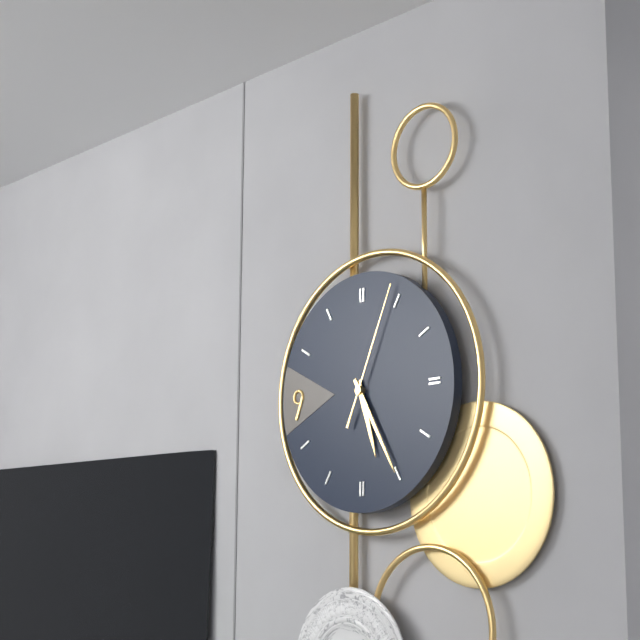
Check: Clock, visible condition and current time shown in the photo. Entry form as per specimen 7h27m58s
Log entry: 5h25m04s
